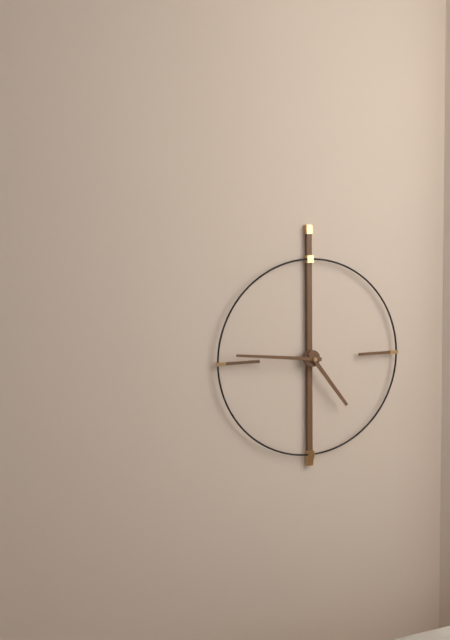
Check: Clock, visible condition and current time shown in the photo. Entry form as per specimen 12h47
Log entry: 4h46
